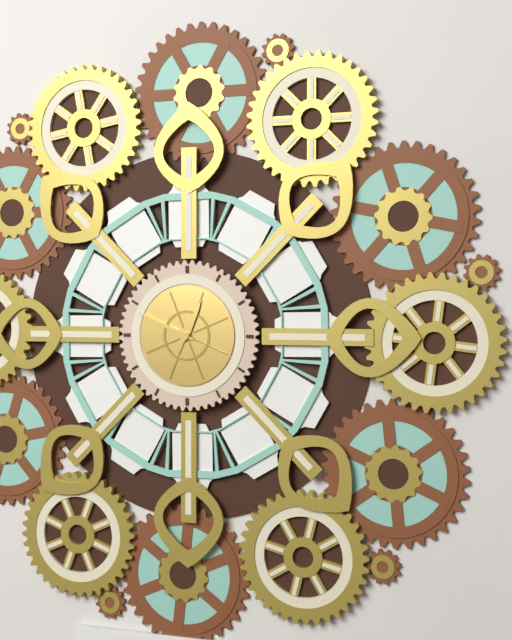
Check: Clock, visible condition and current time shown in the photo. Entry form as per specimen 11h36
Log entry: 12h49
